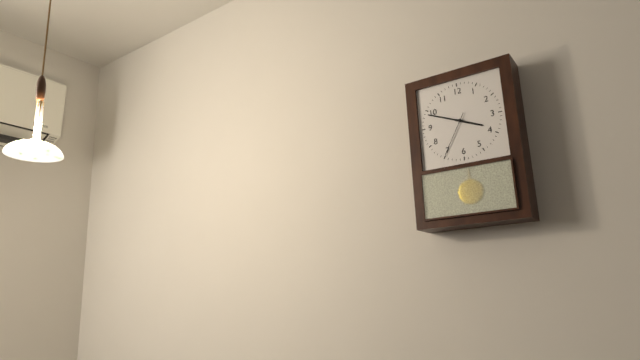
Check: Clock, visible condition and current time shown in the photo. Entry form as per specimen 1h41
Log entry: 3h49
